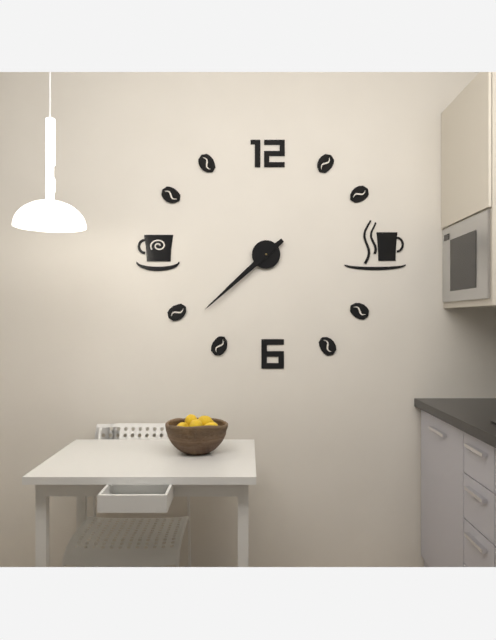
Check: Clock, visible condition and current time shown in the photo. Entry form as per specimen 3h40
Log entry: 7h38
